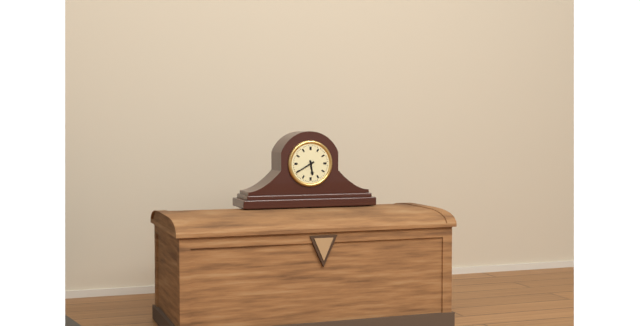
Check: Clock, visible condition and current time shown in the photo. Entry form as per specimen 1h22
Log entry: 5h40
